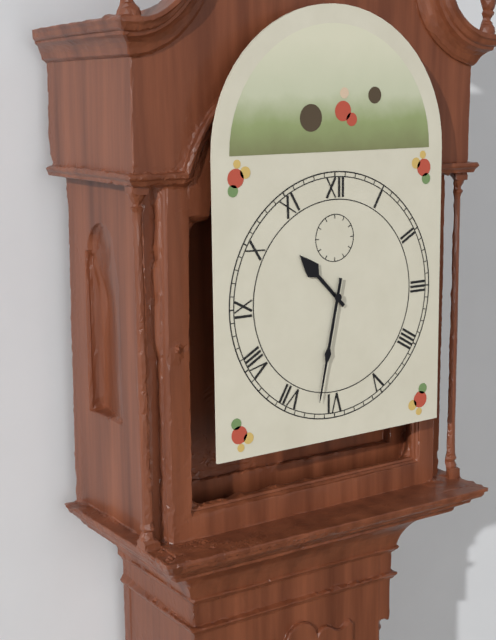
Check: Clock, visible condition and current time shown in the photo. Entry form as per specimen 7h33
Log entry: 10h32
